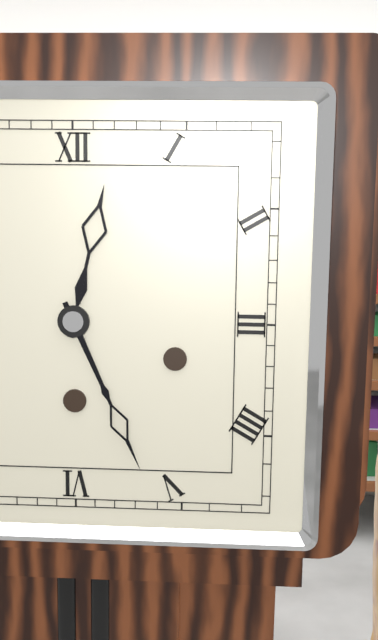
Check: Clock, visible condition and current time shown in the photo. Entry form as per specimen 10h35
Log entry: 12h26
